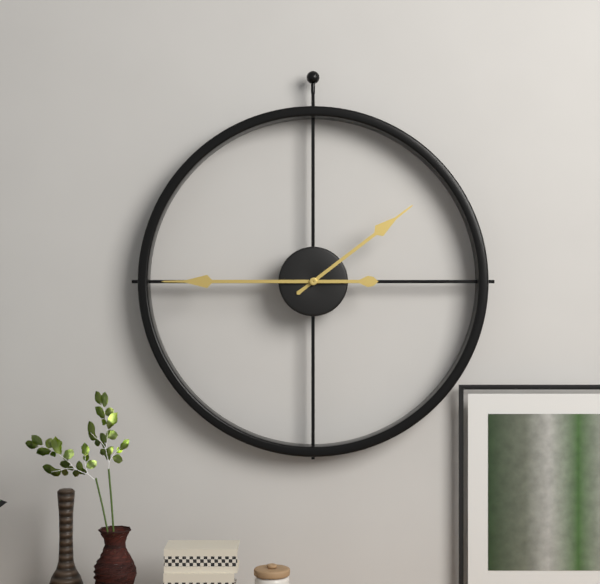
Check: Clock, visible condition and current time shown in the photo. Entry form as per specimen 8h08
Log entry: 1h45
